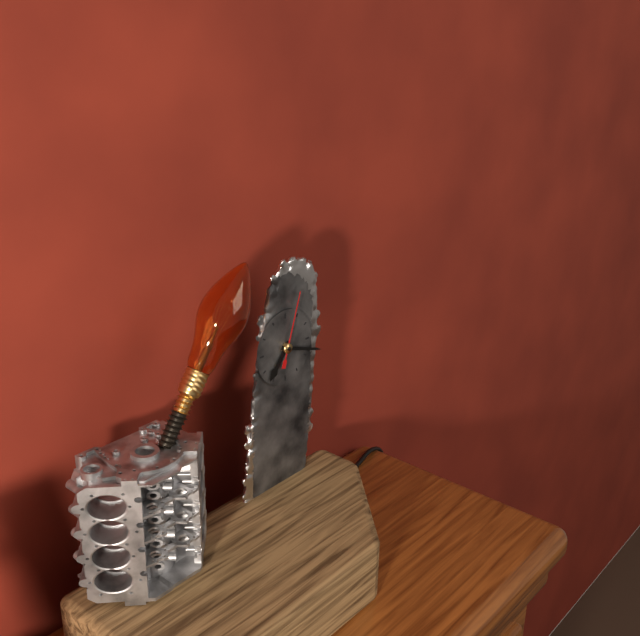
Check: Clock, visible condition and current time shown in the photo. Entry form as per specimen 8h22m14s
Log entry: 7h18m03s
